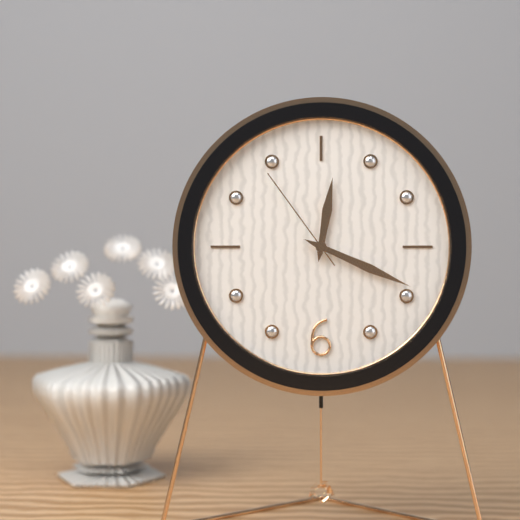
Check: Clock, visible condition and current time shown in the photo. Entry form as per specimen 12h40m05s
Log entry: 12h19m54s
